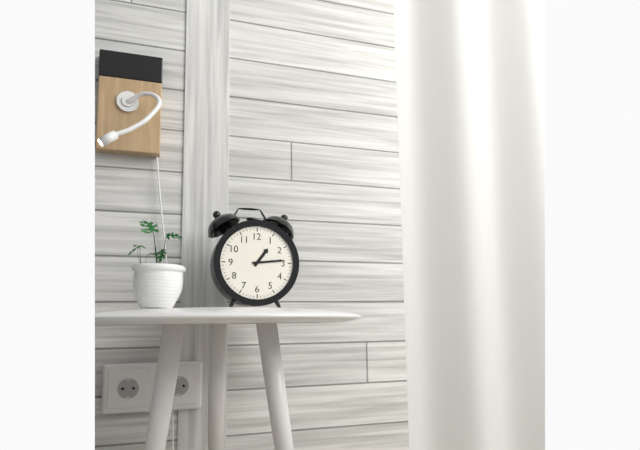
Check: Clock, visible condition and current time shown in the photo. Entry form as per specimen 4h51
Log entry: 1h14
